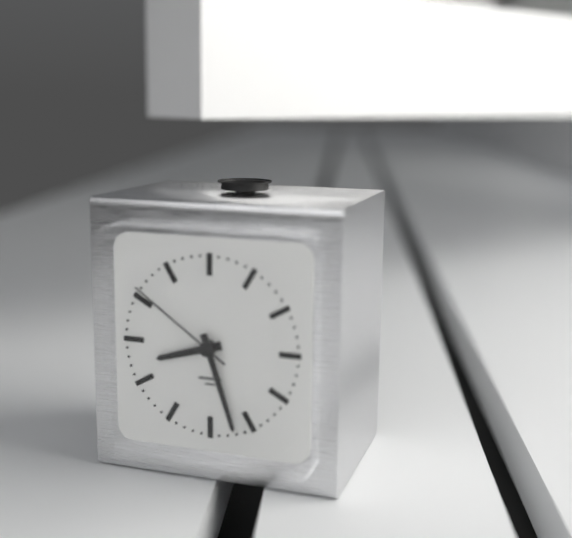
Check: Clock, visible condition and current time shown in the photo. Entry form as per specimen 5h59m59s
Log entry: 8h27m51s
